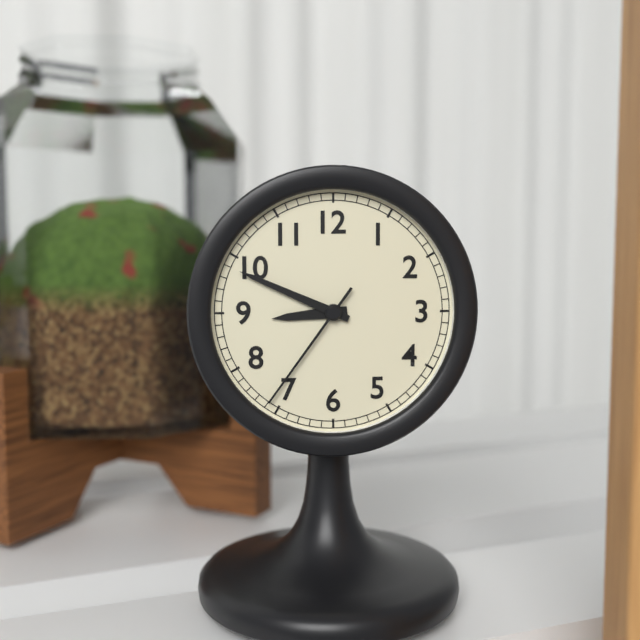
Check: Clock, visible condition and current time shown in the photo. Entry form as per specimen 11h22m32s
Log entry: 8h49m36s
